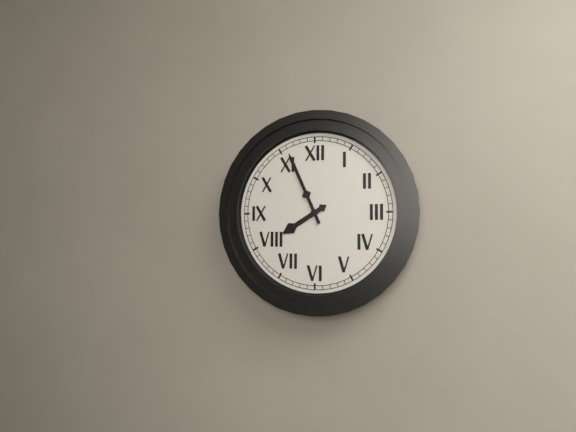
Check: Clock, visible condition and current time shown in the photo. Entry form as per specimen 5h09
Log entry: 7h56
